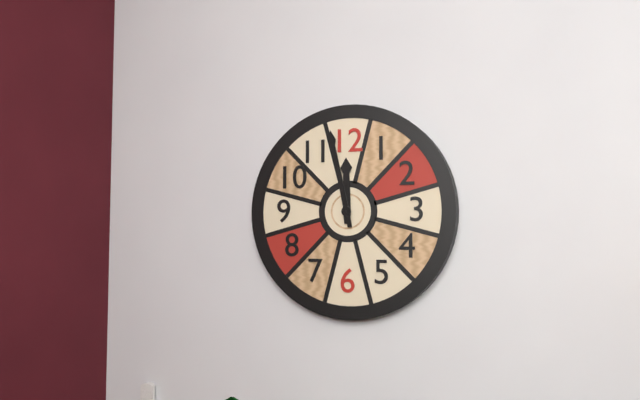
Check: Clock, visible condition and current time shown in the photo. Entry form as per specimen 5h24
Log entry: 11h58
